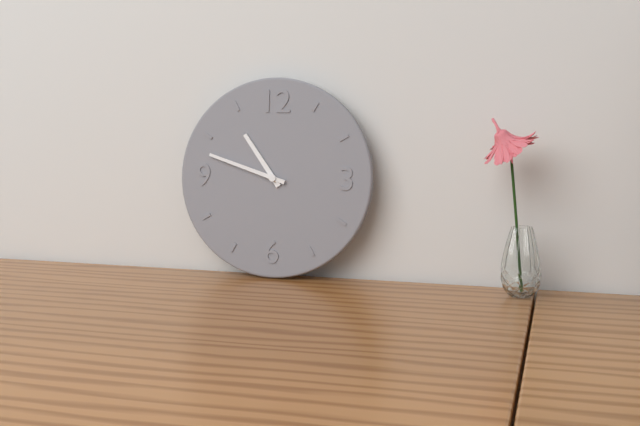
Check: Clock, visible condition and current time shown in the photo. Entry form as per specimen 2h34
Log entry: 10h48
